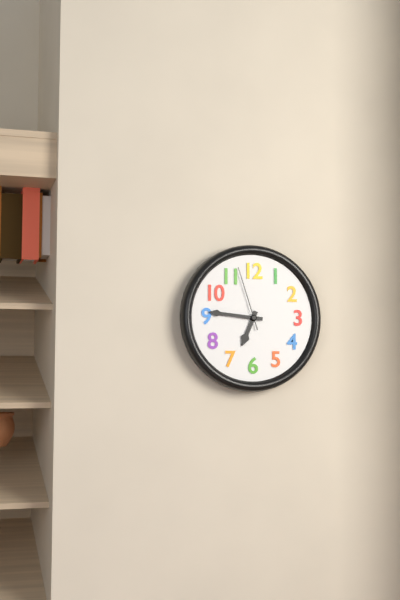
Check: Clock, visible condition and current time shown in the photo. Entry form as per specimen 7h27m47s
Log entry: 6h46m57s
